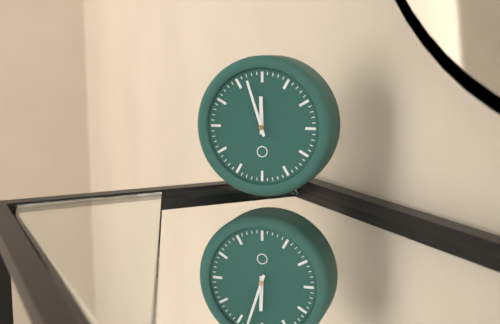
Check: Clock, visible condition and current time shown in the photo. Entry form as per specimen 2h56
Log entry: 11h57
